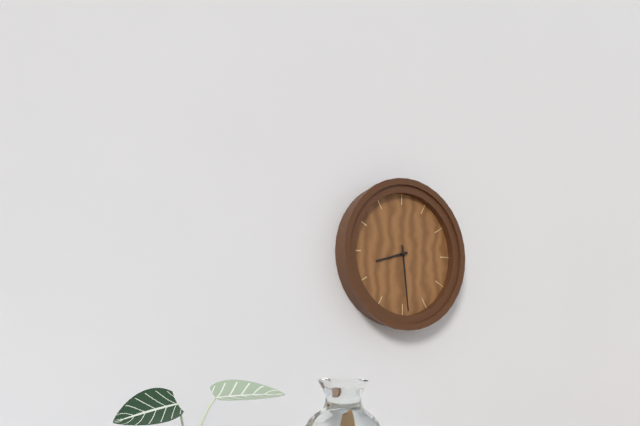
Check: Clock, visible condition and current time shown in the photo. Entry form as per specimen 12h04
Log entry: 8h29
